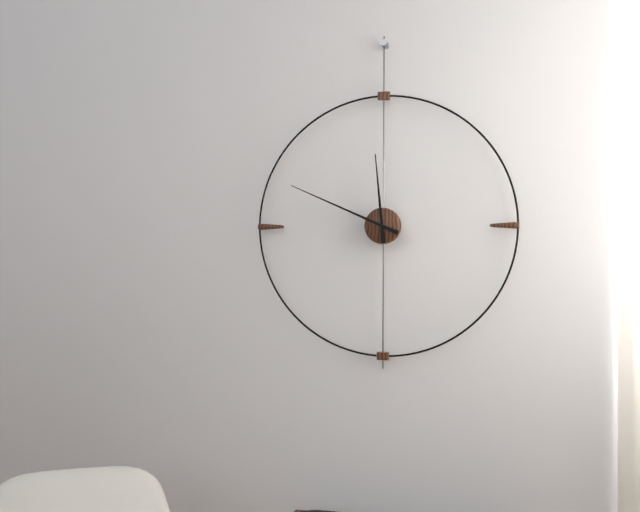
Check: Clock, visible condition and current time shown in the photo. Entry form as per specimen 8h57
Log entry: 11h49
